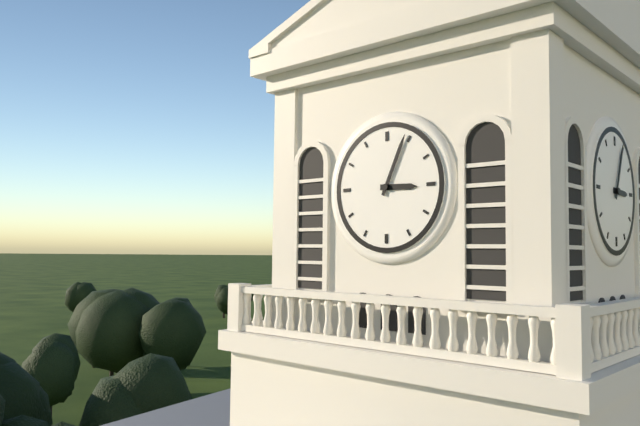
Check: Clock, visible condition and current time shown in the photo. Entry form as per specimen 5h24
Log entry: 3h04
